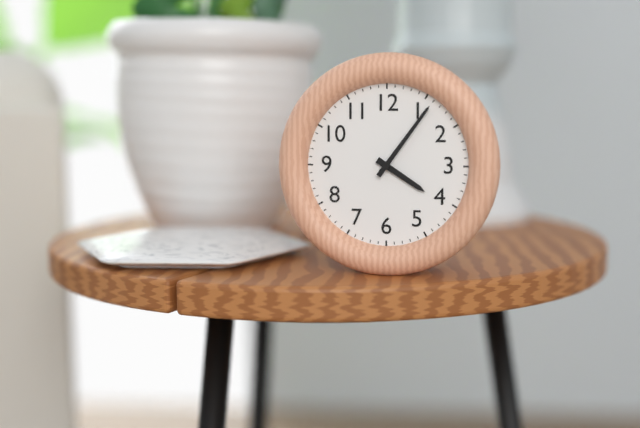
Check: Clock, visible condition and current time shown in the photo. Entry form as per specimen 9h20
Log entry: 4h06
